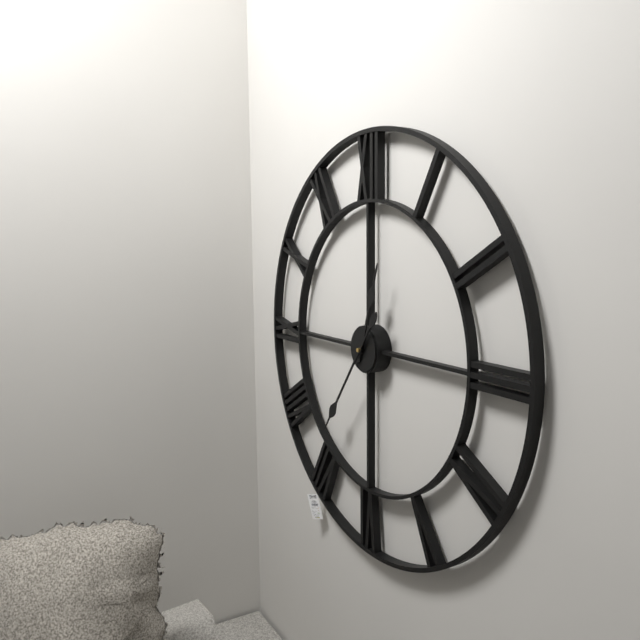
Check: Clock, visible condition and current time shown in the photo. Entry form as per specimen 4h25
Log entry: 12h36
